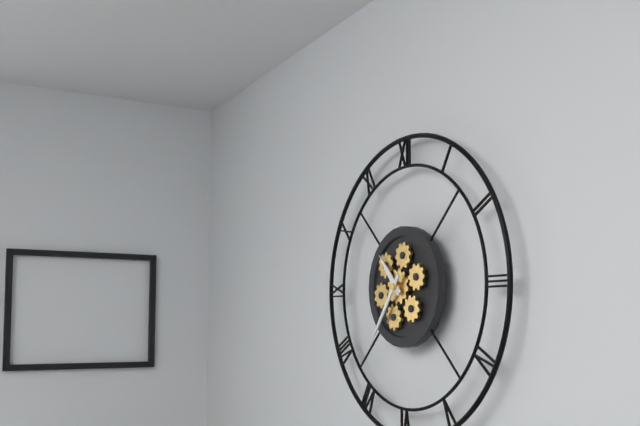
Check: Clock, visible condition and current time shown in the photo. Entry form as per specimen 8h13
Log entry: 10h36
